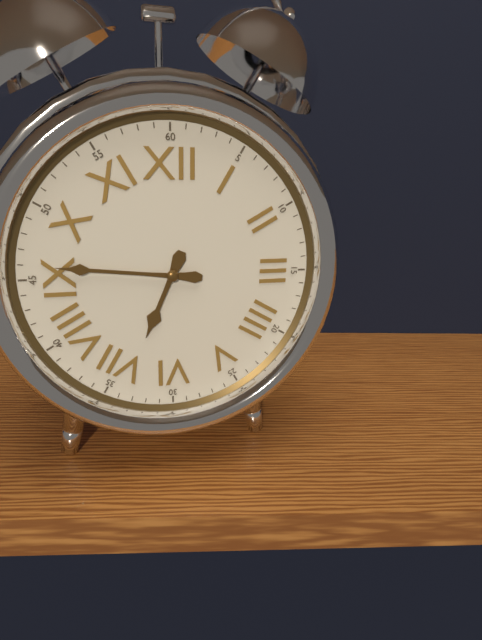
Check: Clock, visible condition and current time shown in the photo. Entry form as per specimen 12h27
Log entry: 6h46
